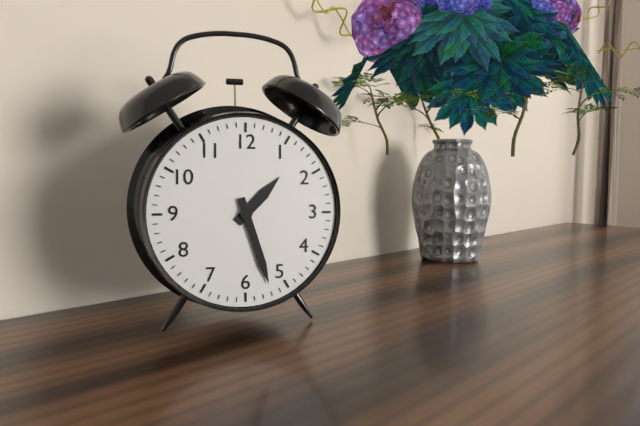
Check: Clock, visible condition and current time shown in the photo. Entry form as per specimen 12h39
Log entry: 1h27
